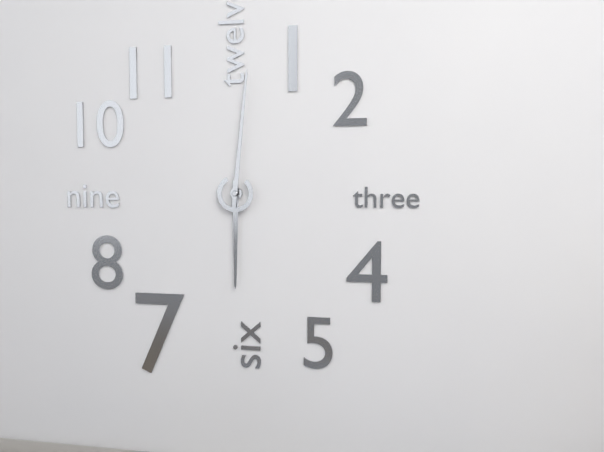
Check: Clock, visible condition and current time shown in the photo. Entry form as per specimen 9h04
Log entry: 6h01
